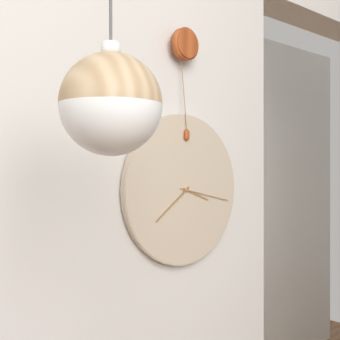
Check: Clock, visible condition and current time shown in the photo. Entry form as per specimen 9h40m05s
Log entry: 3h39m17s
